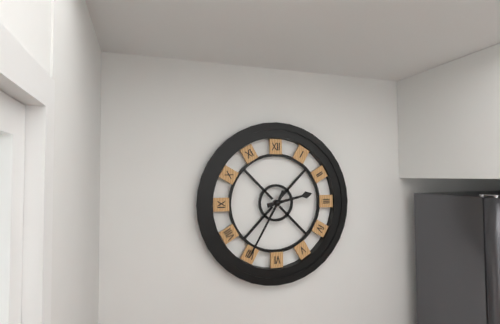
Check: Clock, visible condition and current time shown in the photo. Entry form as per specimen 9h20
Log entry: 2h35
